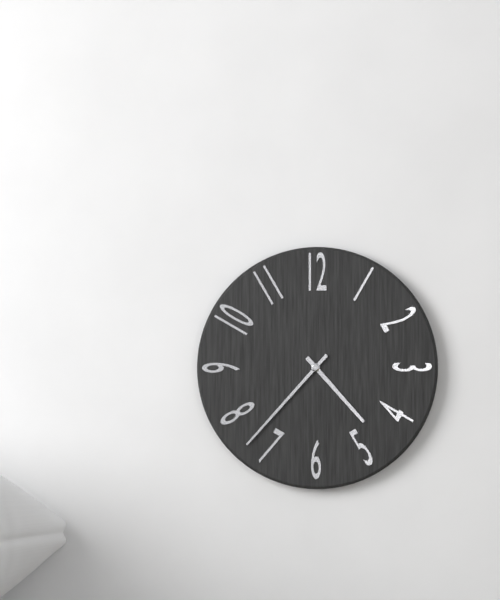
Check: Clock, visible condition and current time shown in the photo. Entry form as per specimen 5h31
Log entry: 4h37
